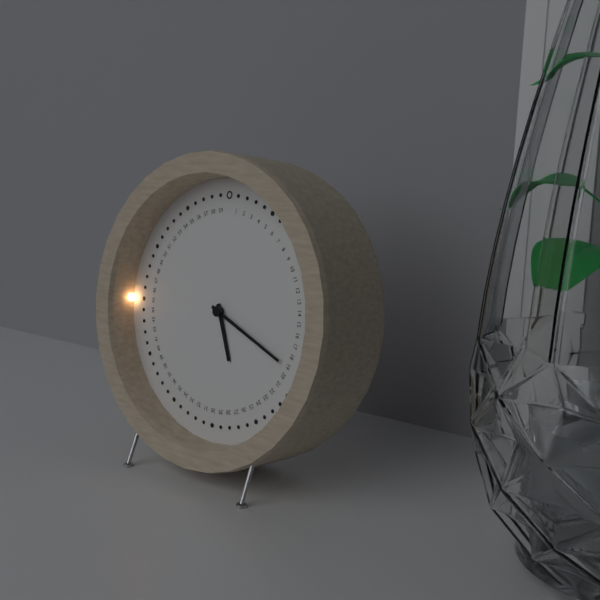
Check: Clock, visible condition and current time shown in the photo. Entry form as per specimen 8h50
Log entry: 5h19
